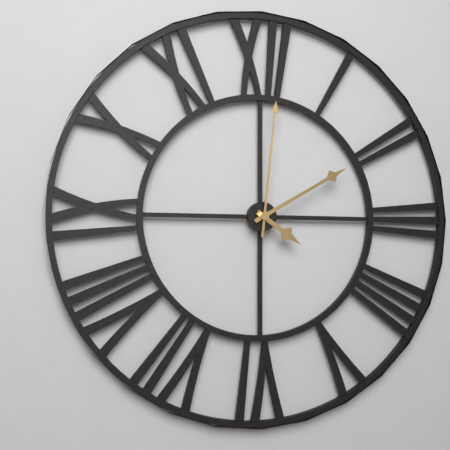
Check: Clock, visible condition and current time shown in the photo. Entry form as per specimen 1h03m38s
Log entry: 4h10m01s
